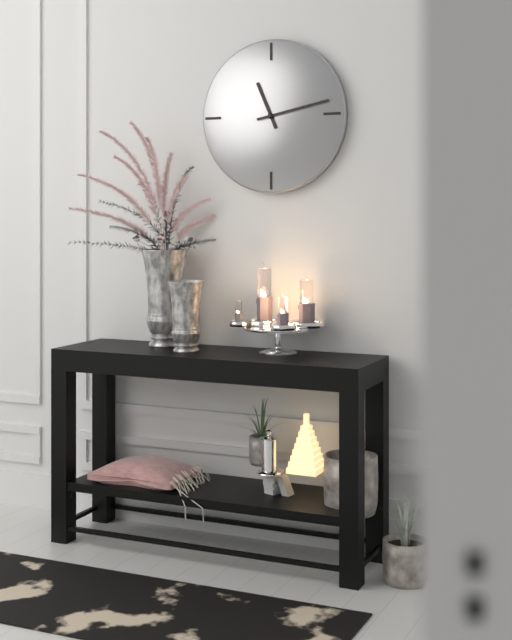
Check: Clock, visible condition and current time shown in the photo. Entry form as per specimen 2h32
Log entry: 11h13
